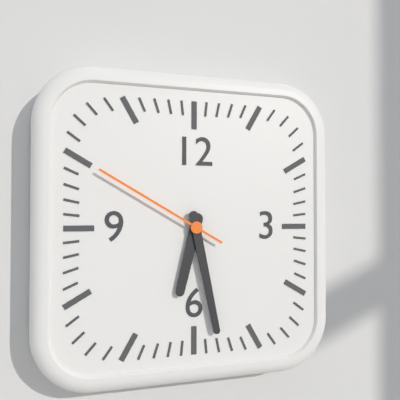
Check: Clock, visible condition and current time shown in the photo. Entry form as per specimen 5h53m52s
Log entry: 6h28m50s
